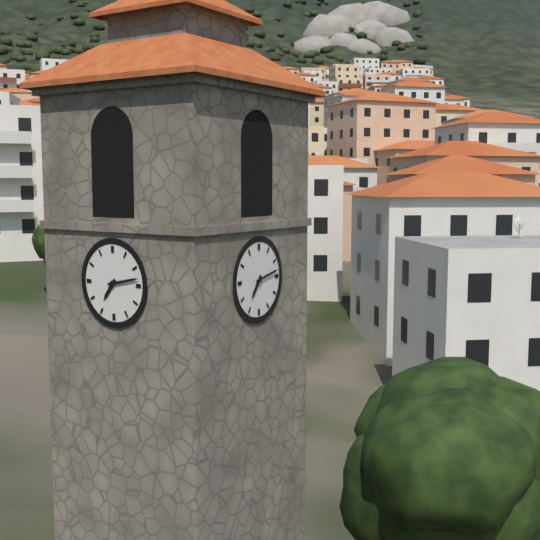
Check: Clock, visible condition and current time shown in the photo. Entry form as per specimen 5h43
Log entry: 7h13
